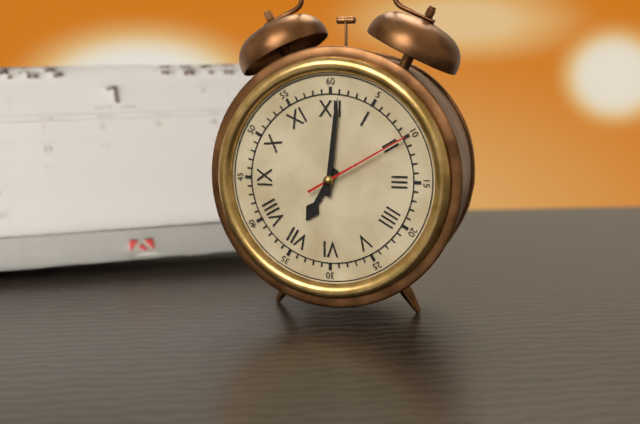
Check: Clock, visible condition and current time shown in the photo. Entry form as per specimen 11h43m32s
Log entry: 7h01m10s
